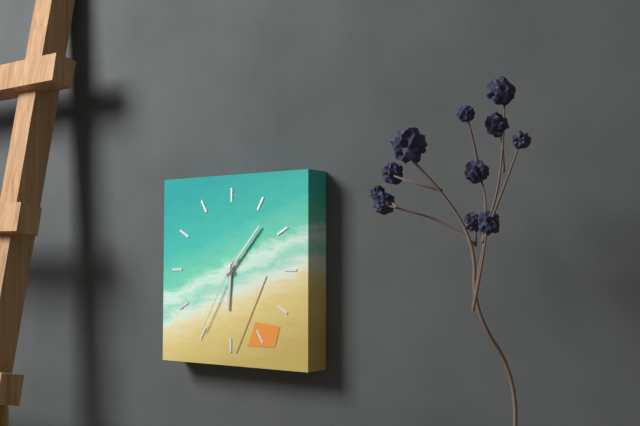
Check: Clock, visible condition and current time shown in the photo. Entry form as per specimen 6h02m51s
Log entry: 6h07m35s
